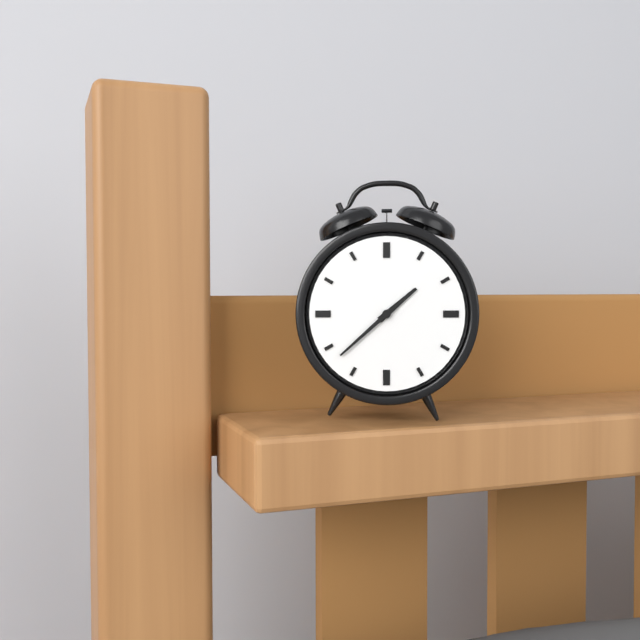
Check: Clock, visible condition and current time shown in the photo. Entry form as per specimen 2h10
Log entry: 1h38
